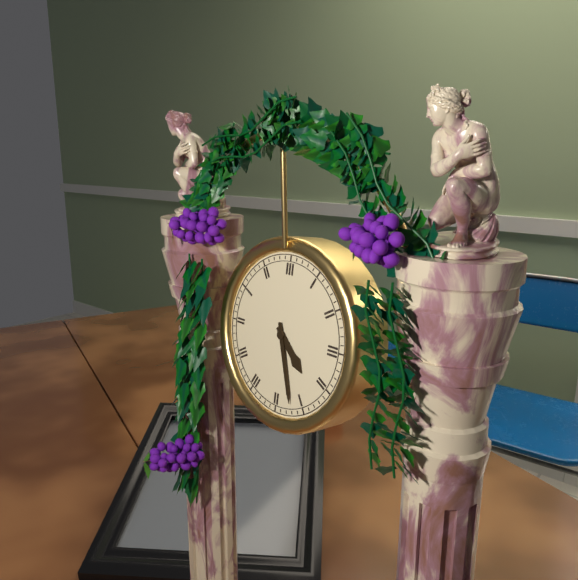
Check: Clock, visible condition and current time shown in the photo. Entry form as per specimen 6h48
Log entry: 4h27
